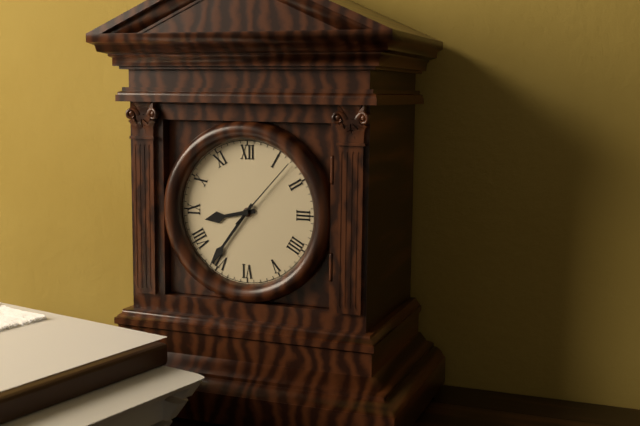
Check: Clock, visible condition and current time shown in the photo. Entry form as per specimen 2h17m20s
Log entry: 8h36m07s
